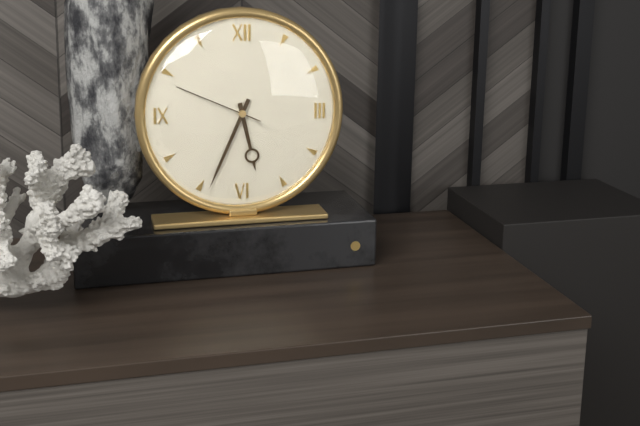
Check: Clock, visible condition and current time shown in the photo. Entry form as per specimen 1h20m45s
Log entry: 5h34m49s
